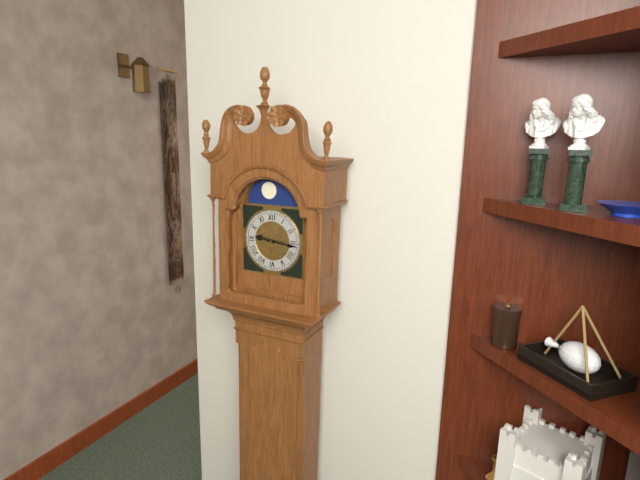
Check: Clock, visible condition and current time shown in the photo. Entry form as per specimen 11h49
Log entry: 9h16
